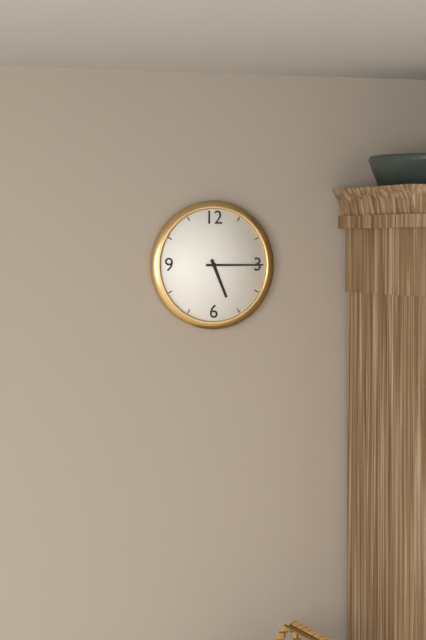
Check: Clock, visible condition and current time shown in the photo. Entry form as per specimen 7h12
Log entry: 5h15
